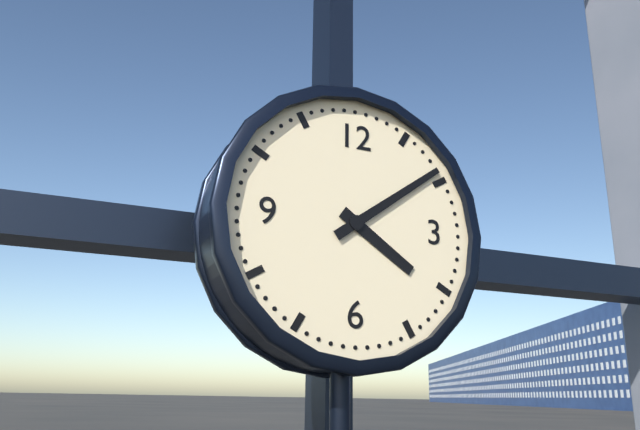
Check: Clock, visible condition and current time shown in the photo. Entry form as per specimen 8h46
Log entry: 4h09
